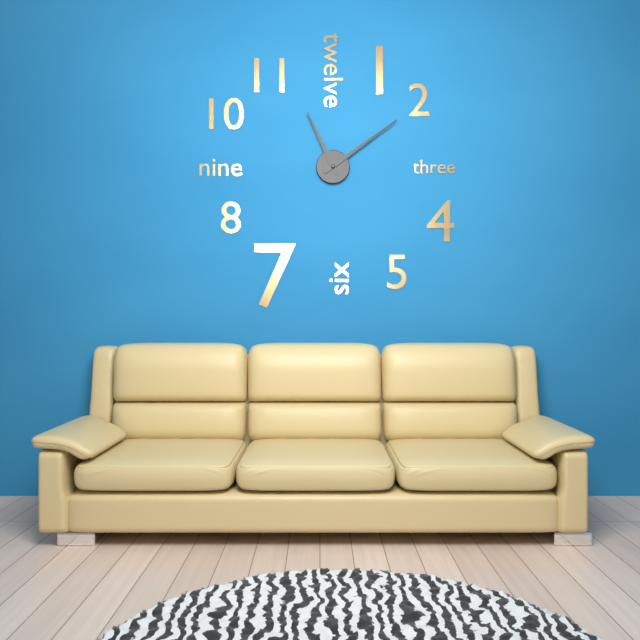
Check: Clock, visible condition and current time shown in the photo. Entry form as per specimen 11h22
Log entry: 11h09
